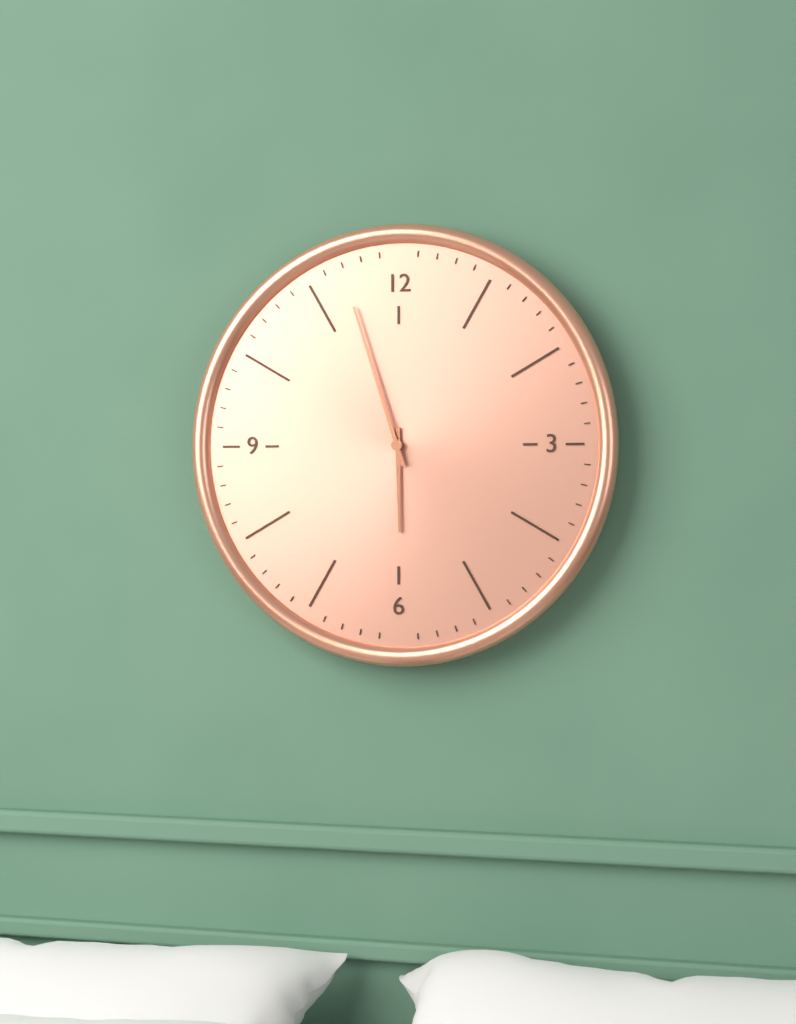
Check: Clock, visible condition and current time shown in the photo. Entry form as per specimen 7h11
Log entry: 5h57
